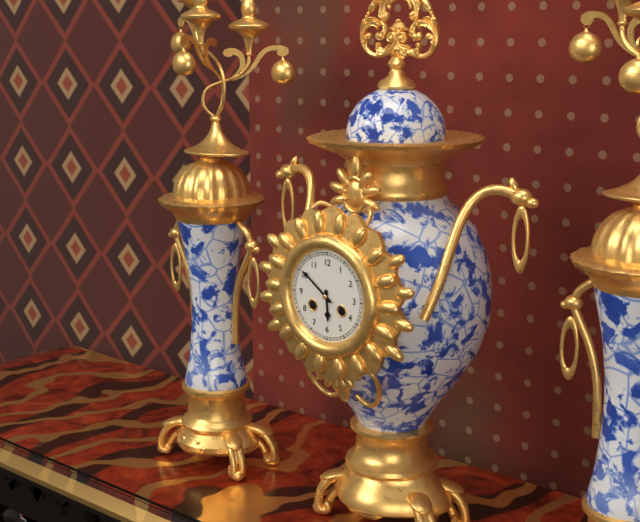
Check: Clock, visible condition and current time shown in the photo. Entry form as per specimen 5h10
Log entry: 5h51
